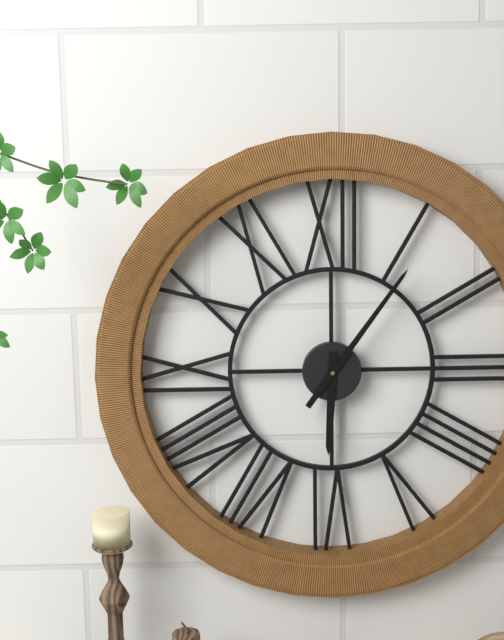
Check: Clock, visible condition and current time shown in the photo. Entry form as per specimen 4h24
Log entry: 6h06
